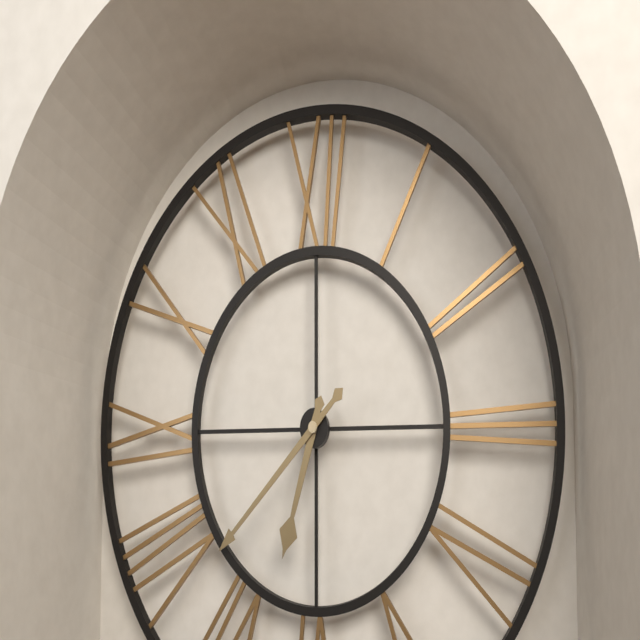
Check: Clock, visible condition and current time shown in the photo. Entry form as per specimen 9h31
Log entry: 6h38
